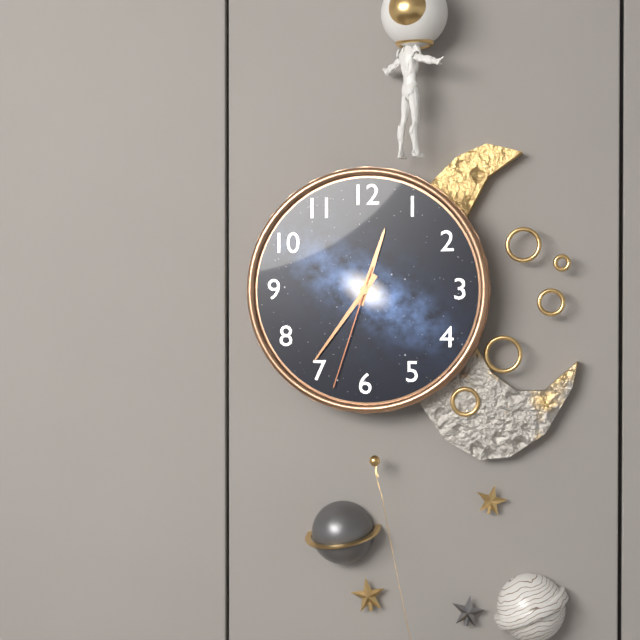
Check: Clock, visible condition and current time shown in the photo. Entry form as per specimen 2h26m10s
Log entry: 12h36m33s
